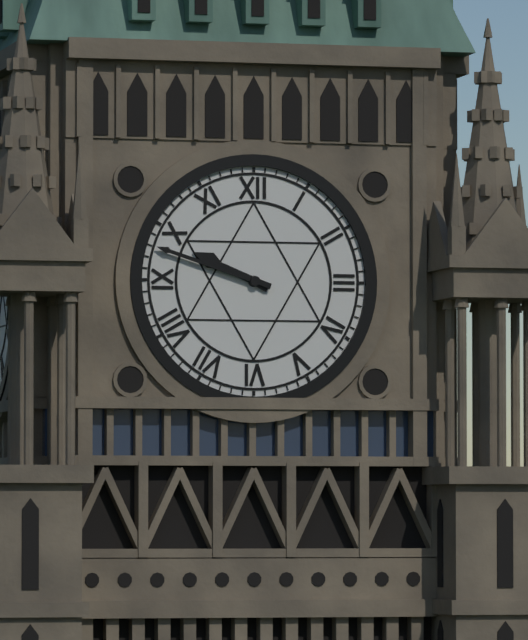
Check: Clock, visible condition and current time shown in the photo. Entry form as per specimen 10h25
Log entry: 9h48
